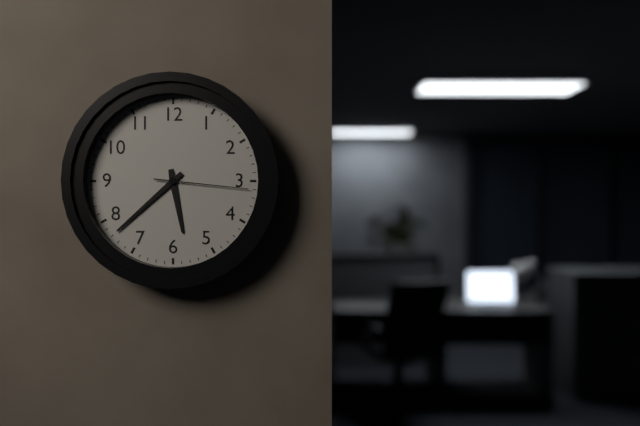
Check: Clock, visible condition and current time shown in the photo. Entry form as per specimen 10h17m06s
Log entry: 5h38m16s
